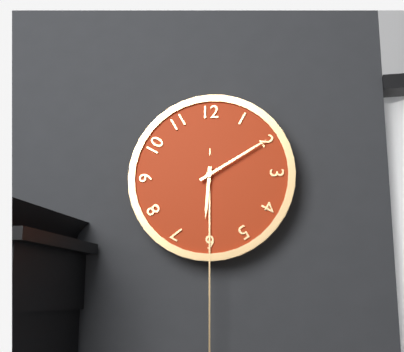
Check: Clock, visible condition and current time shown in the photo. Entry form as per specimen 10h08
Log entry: 6h10
